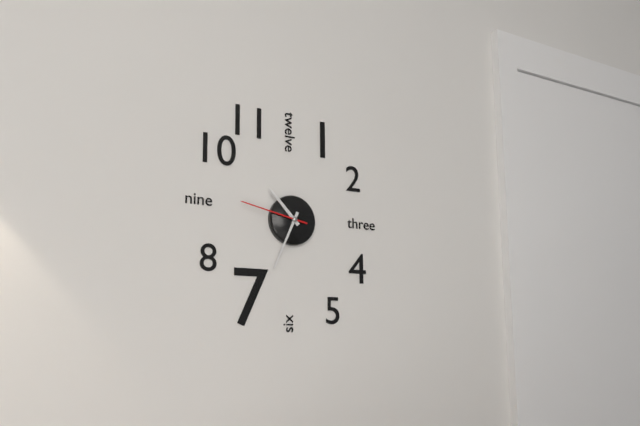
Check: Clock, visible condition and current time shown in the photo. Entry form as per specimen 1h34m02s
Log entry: 10h34m47s
